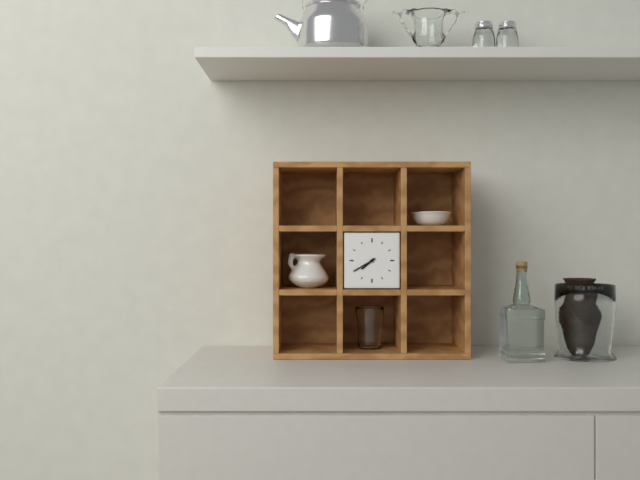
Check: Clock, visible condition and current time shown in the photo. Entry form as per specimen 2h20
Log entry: 7h40
